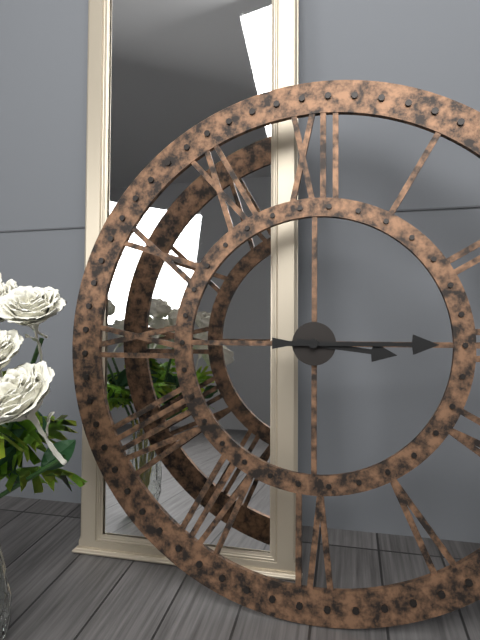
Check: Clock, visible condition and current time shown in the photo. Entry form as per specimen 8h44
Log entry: 3h15
